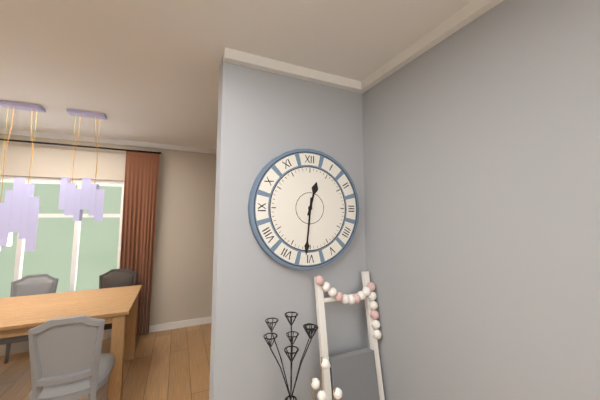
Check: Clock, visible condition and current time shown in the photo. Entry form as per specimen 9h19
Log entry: 12h31
